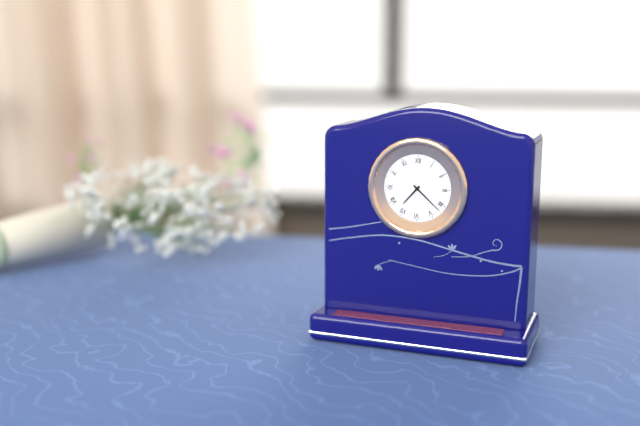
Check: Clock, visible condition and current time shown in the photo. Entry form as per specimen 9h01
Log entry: 7h22
